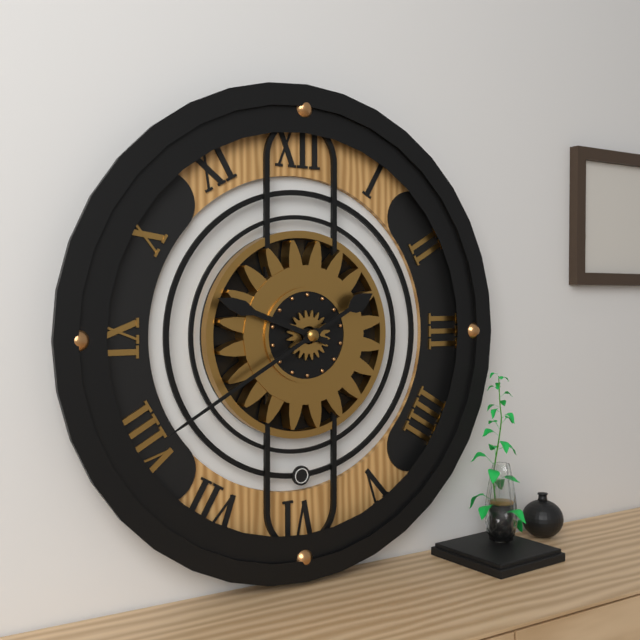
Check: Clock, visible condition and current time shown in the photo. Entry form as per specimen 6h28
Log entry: 9h40
